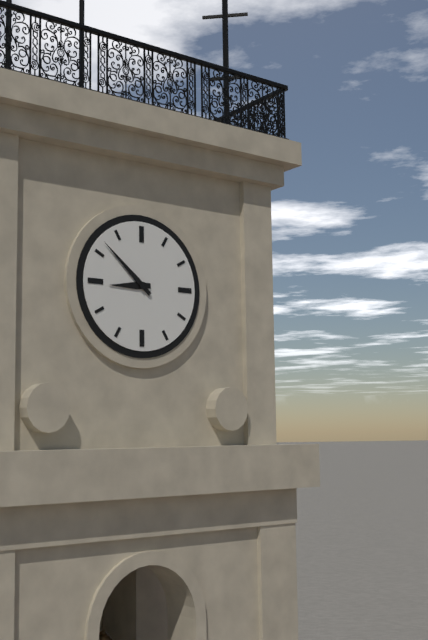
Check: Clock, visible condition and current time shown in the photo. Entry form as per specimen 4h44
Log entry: 8h52
